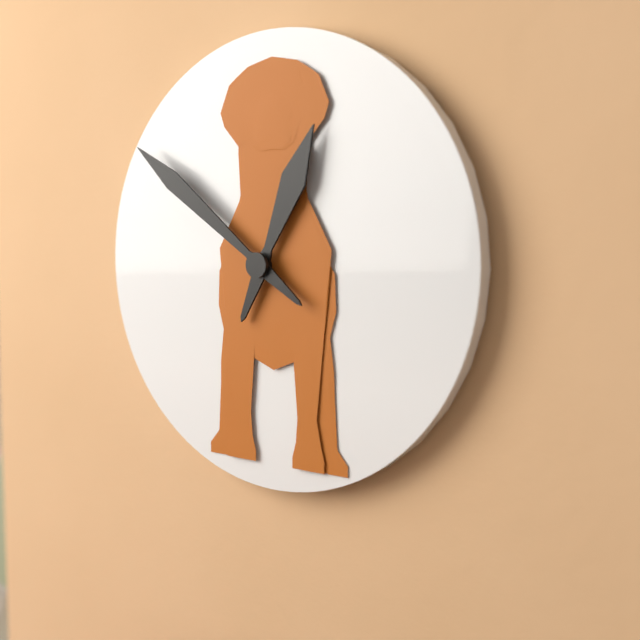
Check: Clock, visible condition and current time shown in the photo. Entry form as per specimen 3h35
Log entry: 12h51
